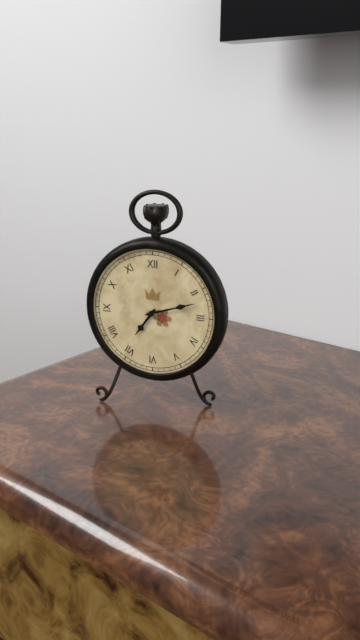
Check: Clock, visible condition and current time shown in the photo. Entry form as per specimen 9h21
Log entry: 7h12
